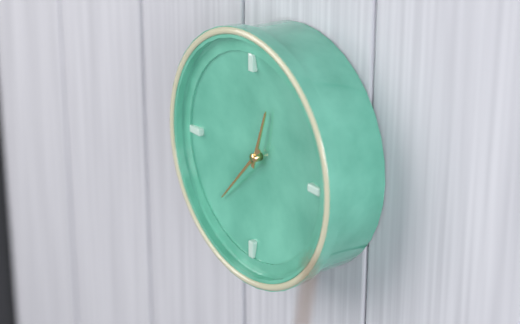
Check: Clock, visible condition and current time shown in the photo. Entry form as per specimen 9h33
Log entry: 12h37
